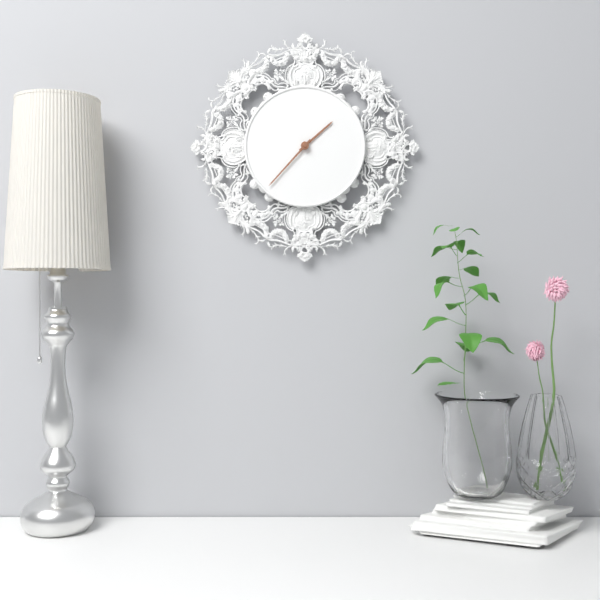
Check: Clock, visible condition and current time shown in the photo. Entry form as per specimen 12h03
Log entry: 1h37
